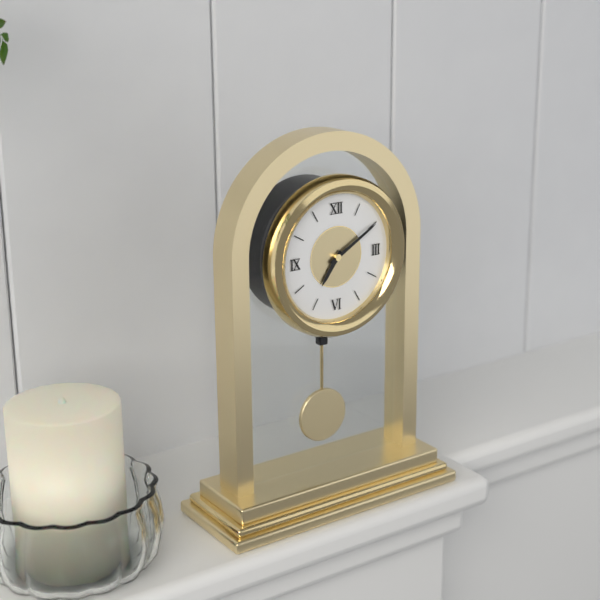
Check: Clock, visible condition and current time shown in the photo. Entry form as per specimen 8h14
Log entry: 7h10
